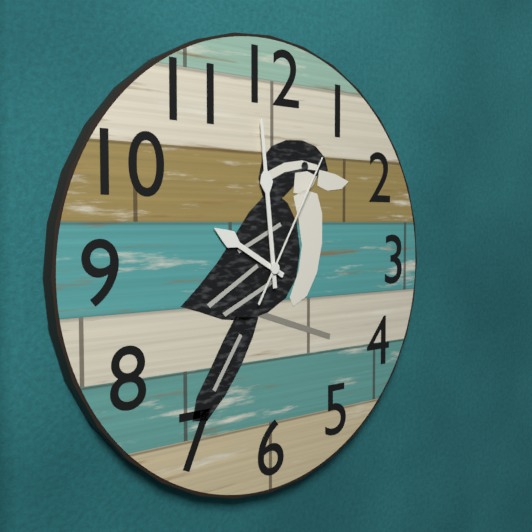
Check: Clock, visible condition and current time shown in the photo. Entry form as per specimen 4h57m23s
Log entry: 9h59m05s
